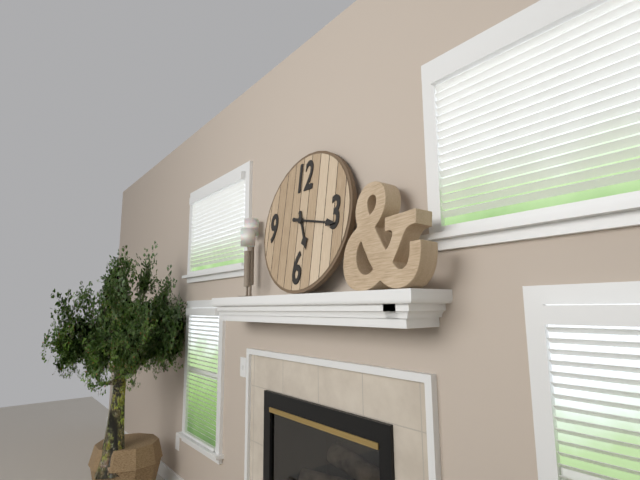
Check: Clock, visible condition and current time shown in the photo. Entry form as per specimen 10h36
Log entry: 5h17
